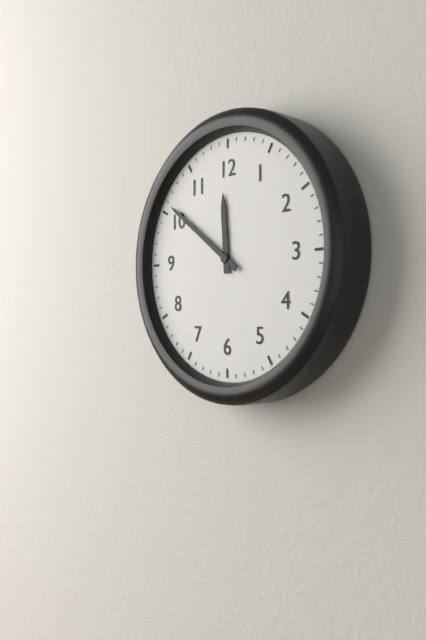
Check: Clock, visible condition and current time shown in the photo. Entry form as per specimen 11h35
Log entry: 11h51
